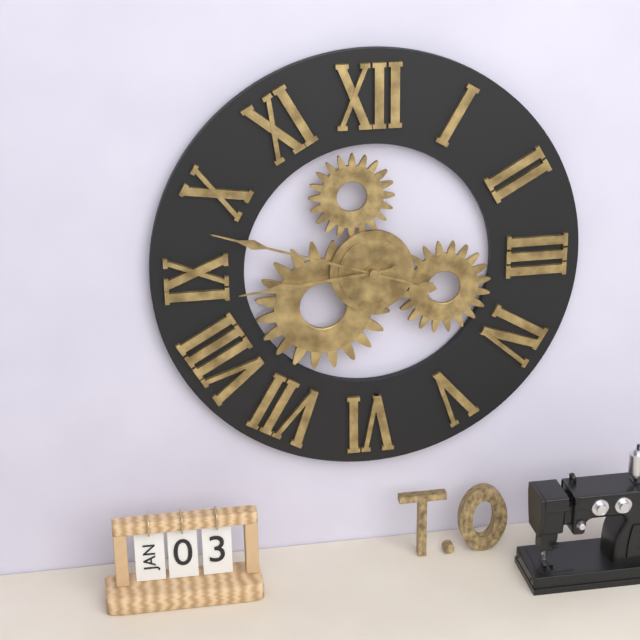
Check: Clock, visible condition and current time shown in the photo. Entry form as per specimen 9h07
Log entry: 8h48
